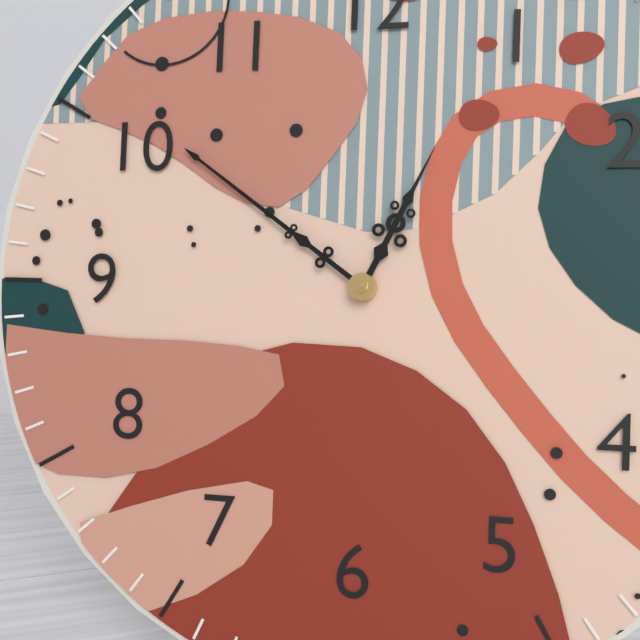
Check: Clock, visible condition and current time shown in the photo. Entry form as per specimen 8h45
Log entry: 12h51
